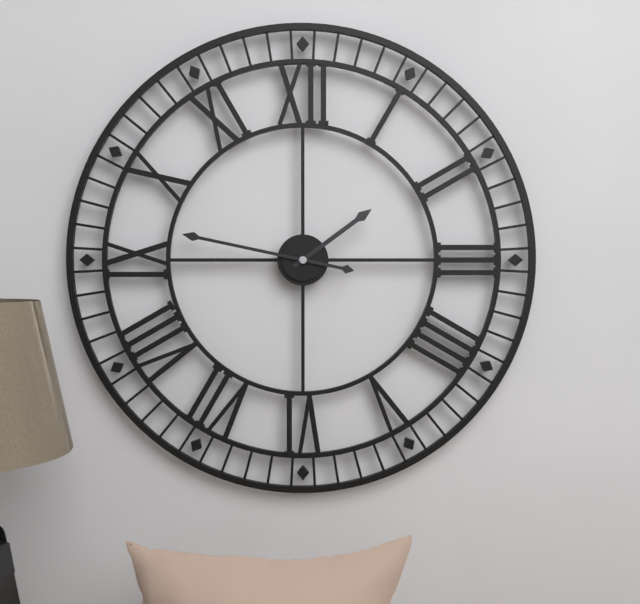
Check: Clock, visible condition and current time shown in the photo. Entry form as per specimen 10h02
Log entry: 1h47
